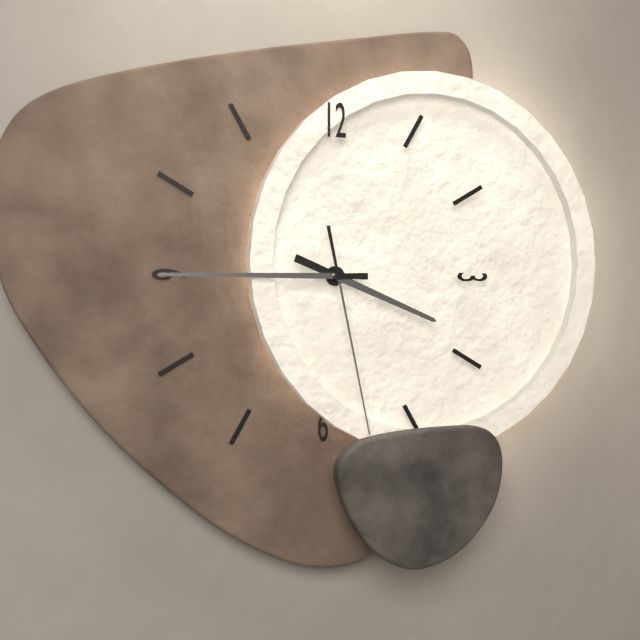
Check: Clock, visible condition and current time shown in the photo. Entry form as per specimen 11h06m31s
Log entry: 3h45m28s
